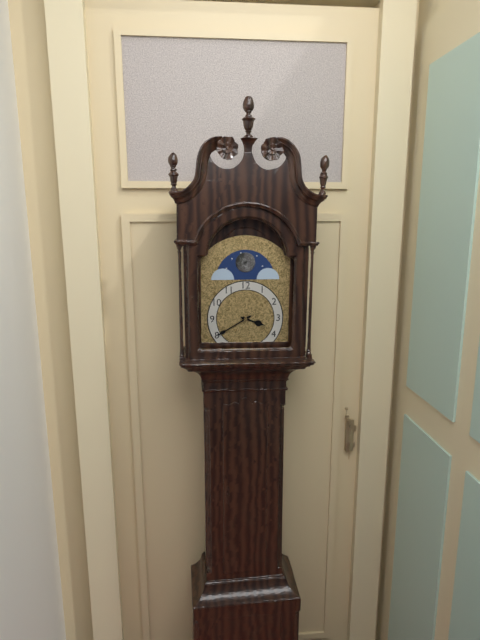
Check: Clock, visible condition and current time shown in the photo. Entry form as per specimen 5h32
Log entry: 3h40
